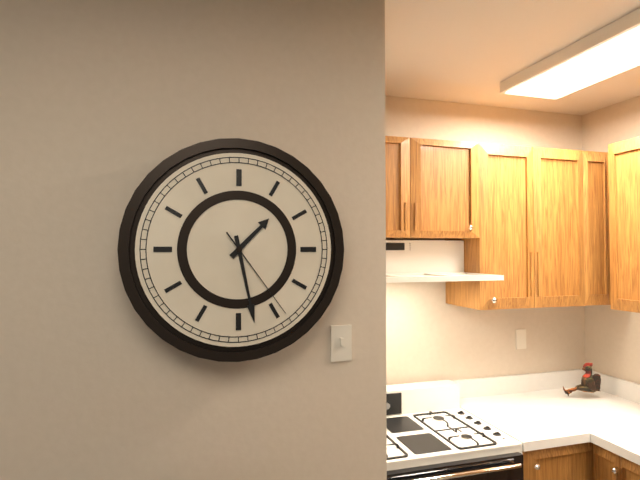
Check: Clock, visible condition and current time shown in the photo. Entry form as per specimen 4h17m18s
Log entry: 1h28m24s
